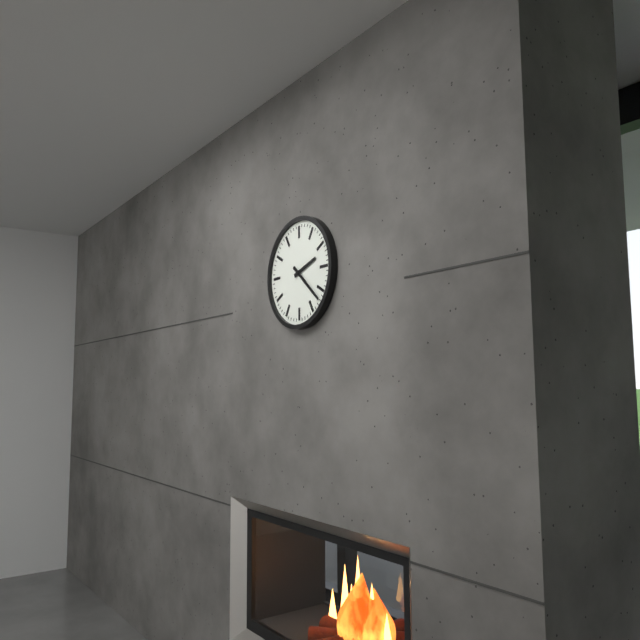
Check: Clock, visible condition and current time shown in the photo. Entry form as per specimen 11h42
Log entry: 2h22
